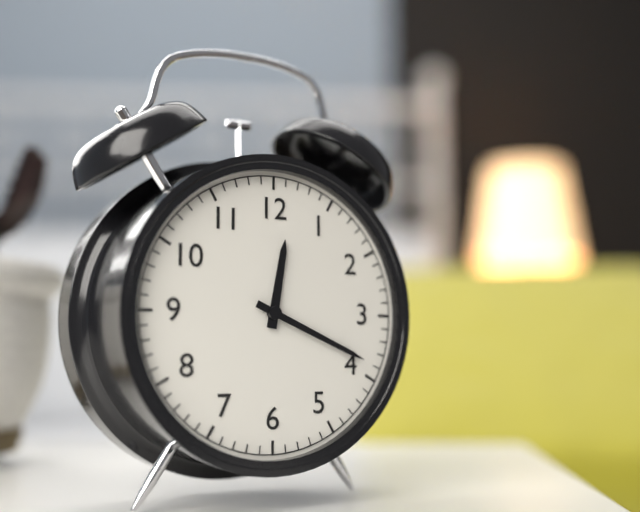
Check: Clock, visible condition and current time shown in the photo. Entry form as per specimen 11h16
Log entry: 12h19
